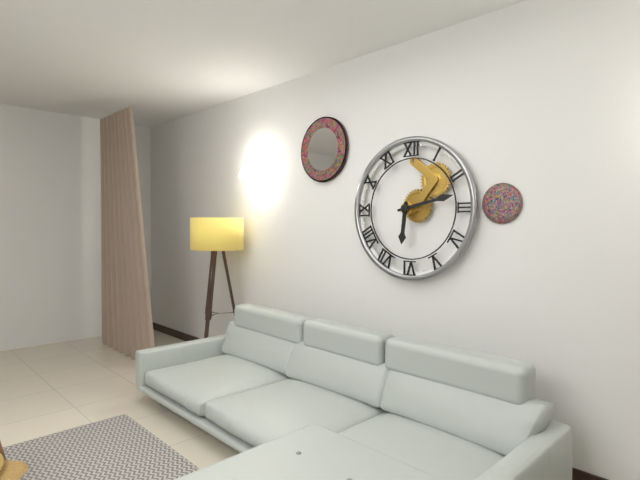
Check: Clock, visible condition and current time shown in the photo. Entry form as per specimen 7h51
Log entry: 6h13
